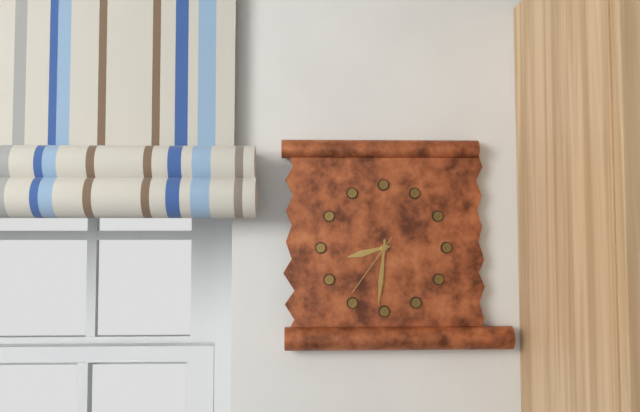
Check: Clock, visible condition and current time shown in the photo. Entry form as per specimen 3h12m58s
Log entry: 8h31m36s
